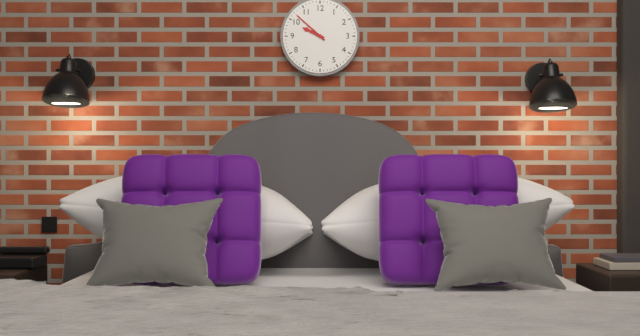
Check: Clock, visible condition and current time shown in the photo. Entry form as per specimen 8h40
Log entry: 9h52
